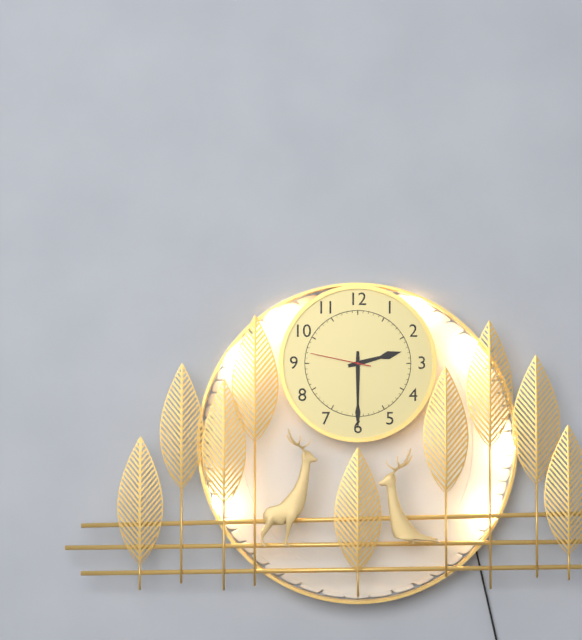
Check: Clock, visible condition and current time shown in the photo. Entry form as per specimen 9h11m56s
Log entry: 2h30m47s
